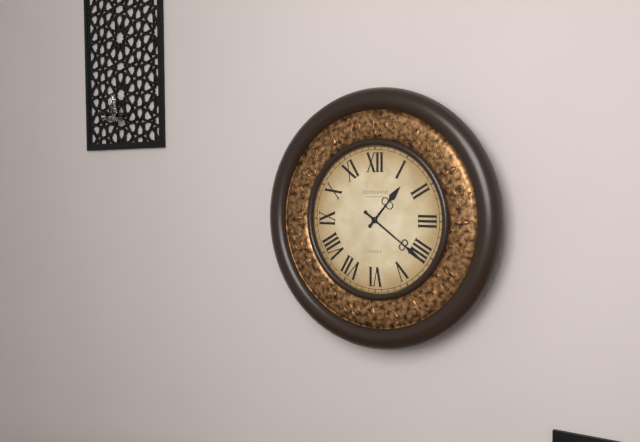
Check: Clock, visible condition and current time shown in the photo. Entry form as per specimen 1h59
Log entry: 1h21
